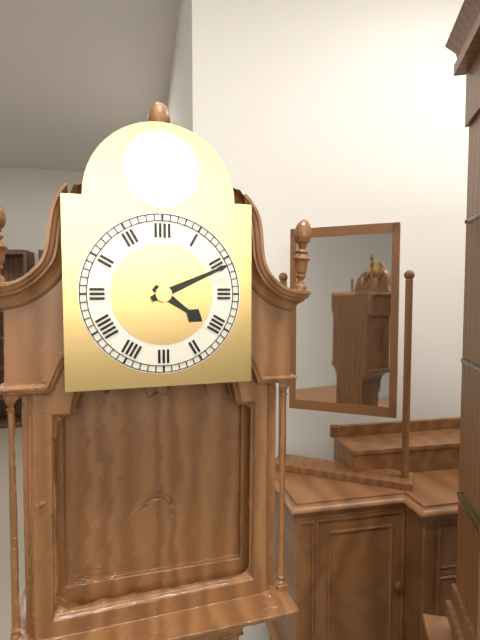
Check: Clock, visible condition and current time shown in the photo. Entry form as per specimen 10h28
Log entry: 4h11
